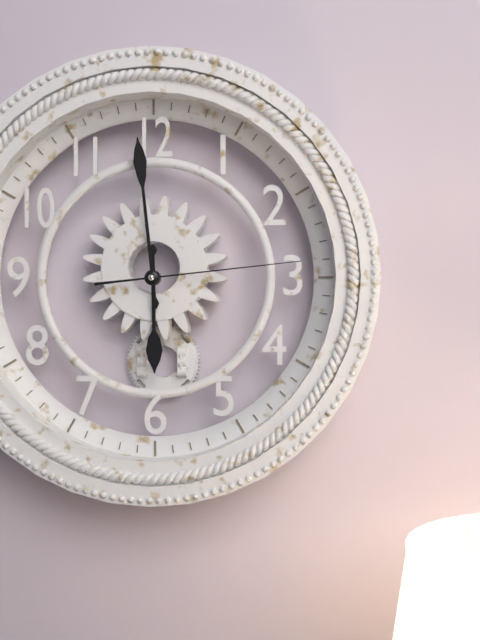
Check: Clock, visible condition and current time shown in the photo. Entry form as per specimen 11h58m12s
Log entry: 5h59m14s
